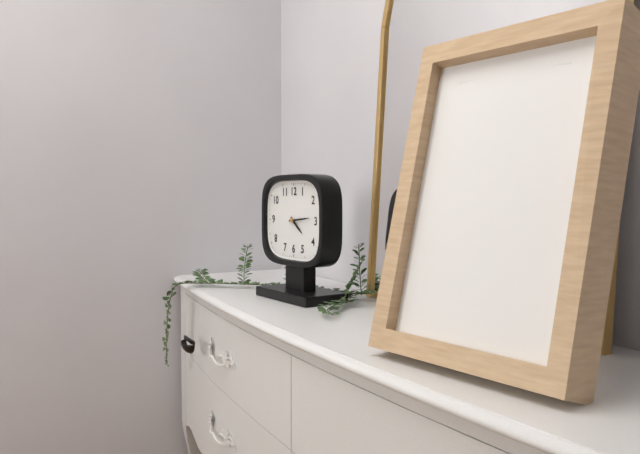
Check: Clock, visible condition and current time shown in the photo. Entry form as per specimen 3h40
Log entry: 4h14
